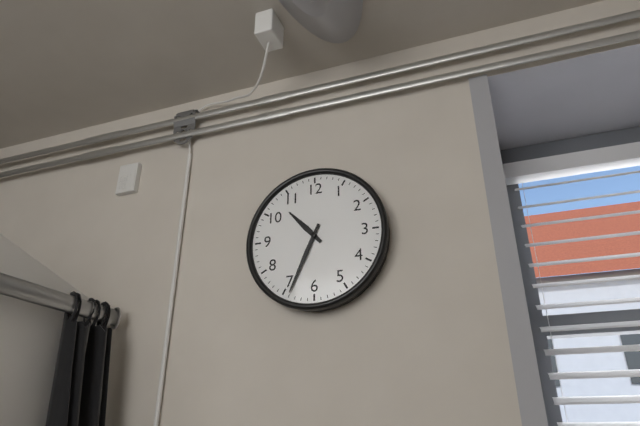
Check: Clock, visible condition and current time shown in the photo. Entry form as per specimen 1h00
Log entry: 10h34
